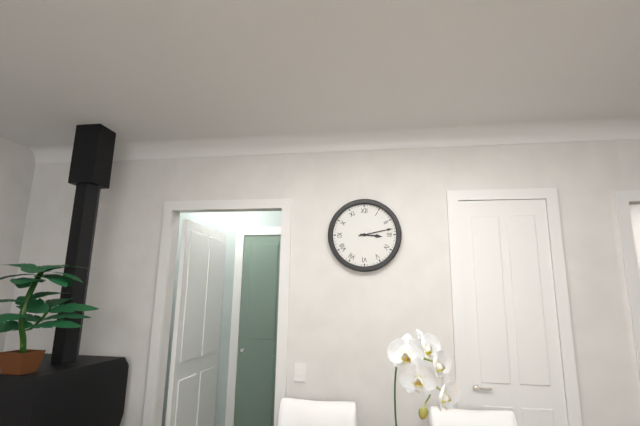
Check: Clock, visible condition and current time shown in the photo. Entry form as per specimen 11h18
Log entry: 3h13
